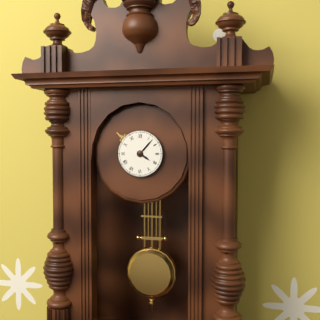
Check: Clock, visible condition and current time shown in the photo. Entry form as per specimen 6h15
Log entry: 4h07
